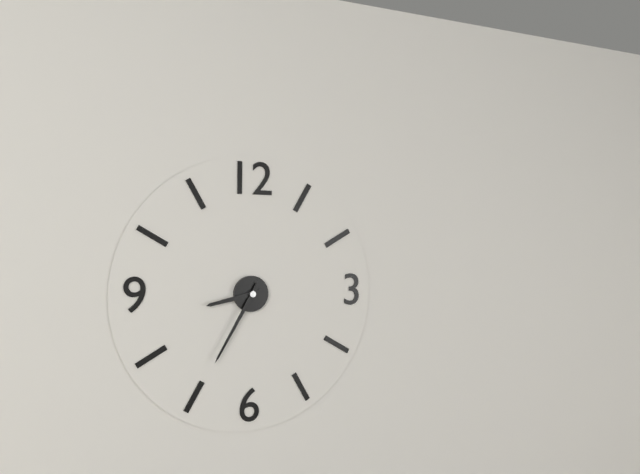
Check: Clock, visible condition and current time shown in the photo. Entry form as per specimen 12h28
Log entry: 8h35
